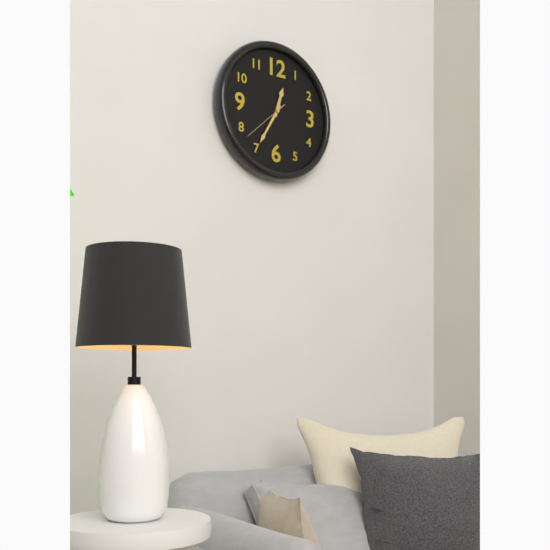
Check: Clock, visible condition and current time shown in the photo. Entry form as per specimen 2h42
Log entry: 12h35
